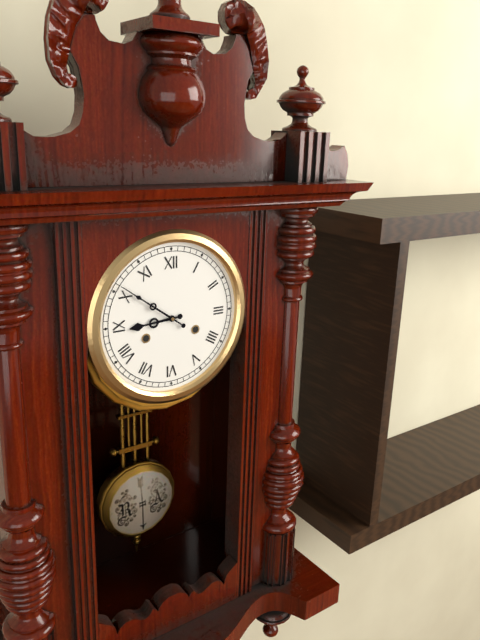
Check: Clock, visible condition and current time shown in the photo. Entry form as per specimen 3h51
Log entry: 8h51
